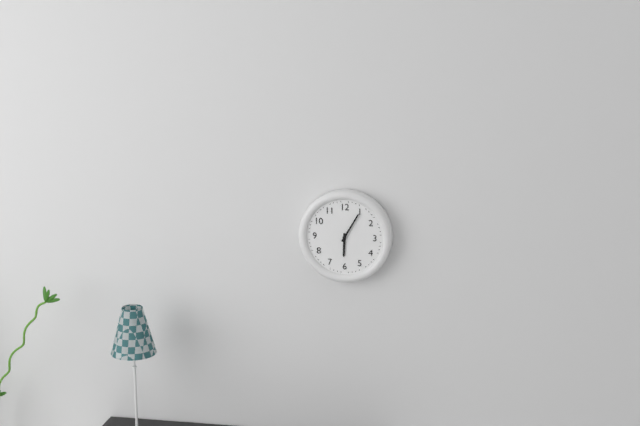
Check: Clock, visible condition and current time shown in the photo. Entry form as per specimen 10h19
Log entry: 6h05
